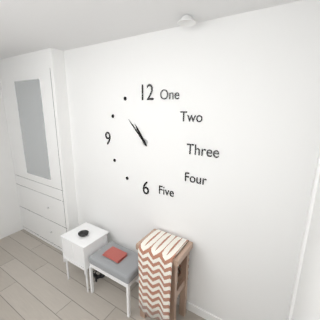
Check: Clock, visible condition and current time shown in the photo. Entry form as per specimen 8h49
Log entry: 10h53
